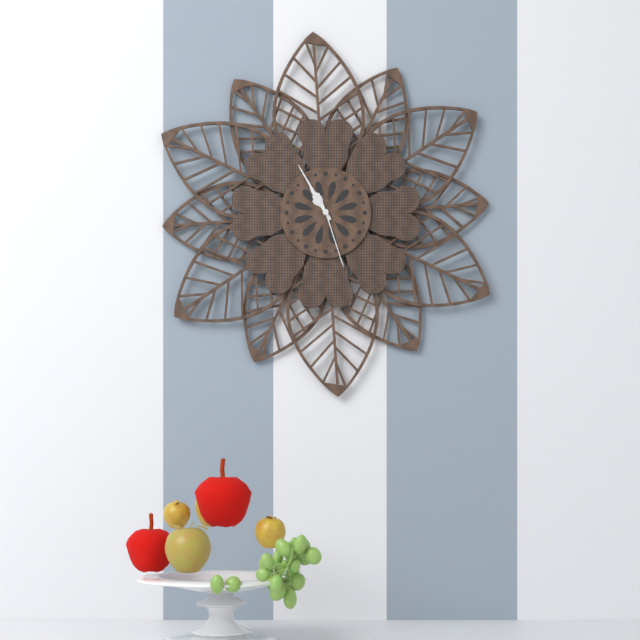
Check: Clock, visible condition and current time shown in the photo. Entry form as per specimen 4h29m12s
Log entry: 10h55m27s
